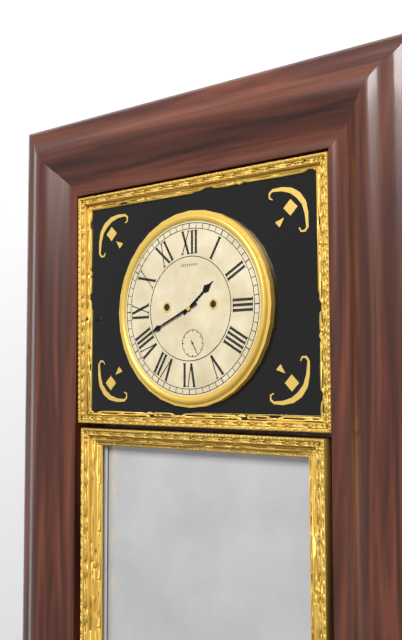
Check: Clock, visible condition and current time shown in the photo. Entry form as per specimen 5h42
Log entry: 1h41
